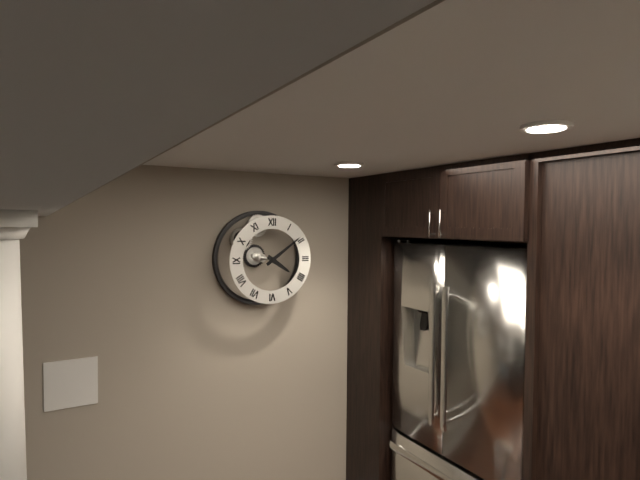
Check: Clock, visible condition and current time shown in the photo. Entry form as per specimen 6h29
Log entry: 4h09
